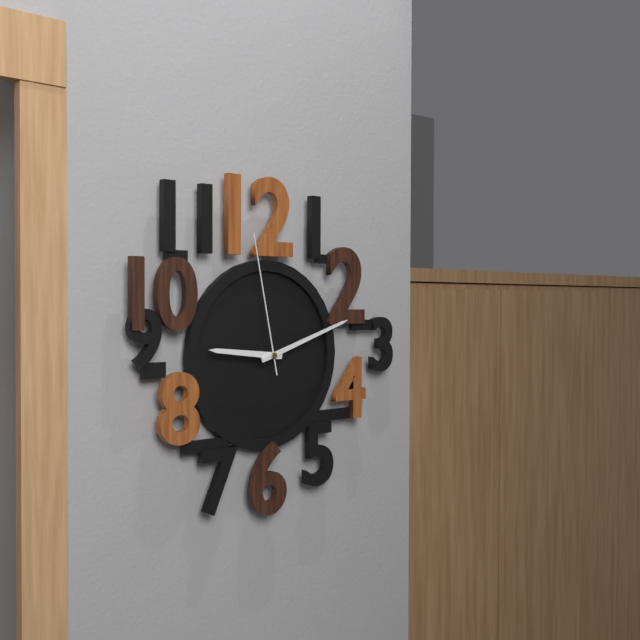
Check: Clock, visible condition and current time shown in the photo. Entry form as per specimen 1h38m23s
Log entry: 9h12m58s
